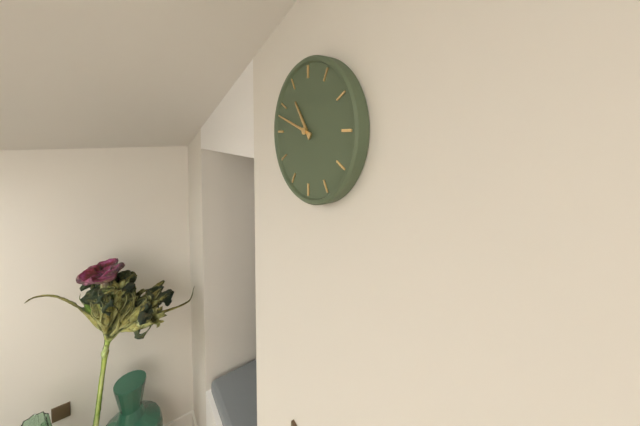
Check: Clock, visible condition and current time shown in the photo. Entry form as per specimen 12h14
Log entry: 10h48
